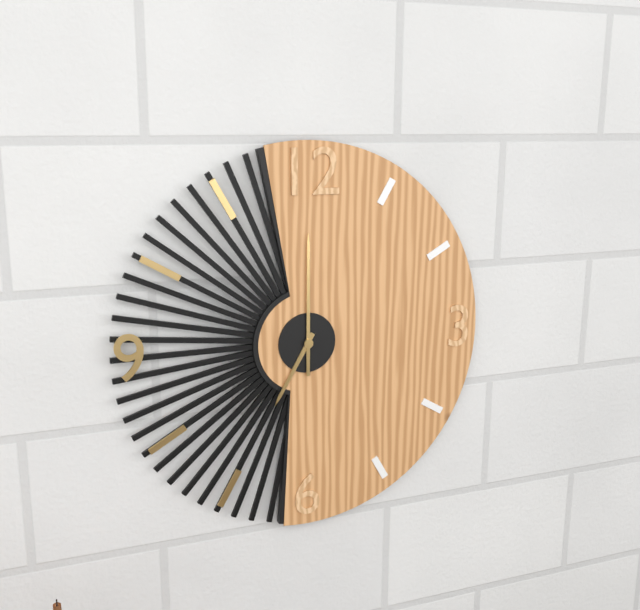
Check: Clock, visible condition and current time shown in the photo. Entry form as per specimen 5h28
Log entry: 7h00
